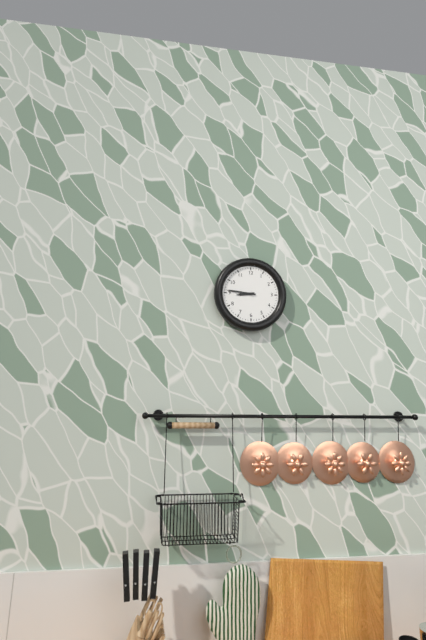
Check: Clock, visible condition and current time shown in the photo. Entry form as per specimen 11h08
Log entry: 8h46
